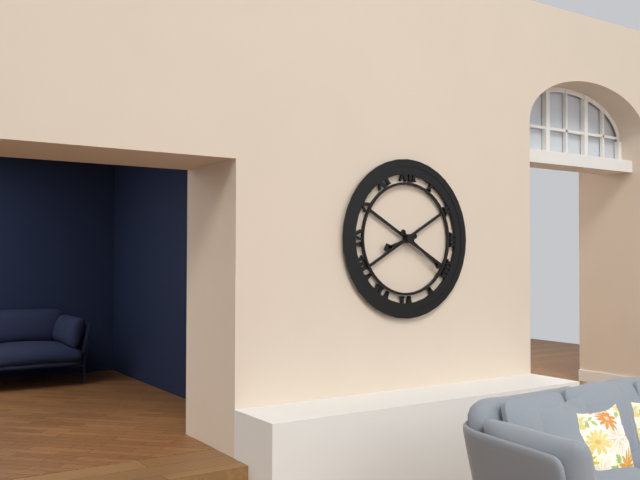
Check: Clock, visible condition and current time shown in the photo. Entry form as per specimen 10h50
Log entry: 8h21
